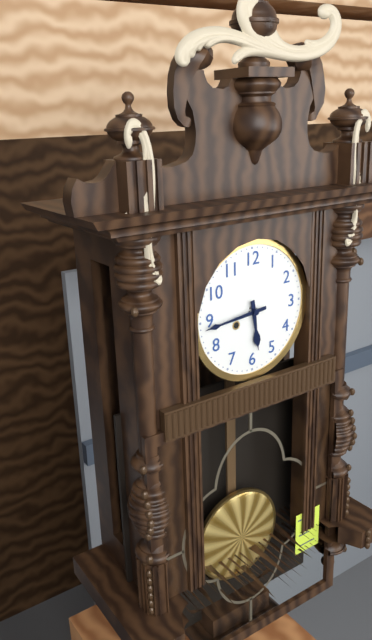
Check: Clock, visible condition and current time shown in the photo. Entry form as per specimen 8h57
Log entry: 5h44
